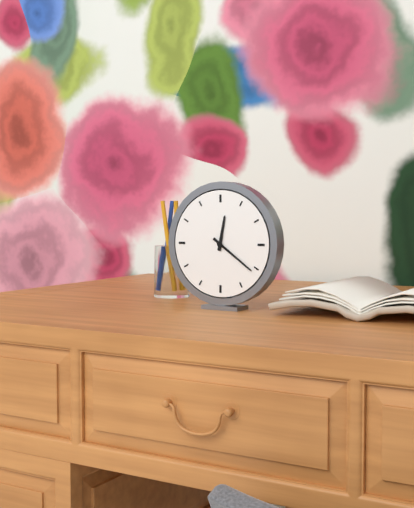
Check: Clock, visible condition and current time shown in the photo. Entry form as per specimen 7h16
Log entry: 12h21
